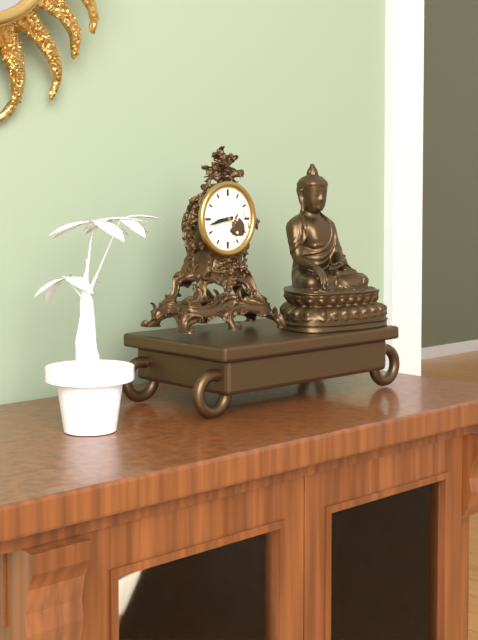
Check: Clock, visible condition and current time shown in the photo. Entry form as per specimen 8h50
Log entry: 8h43
